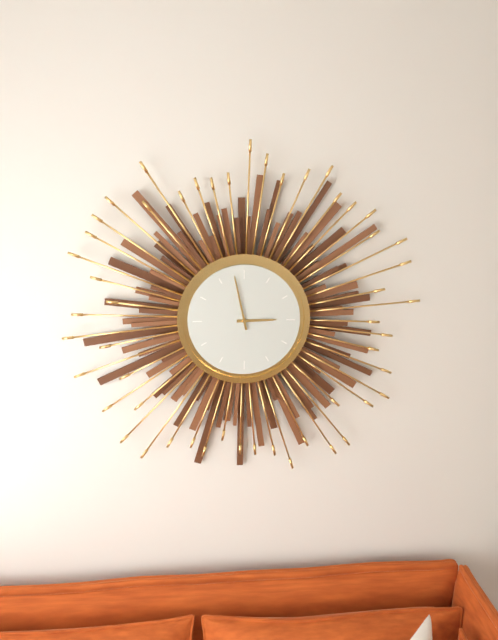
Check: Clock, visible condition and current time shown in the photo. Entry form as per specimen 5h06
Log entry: 2h58
